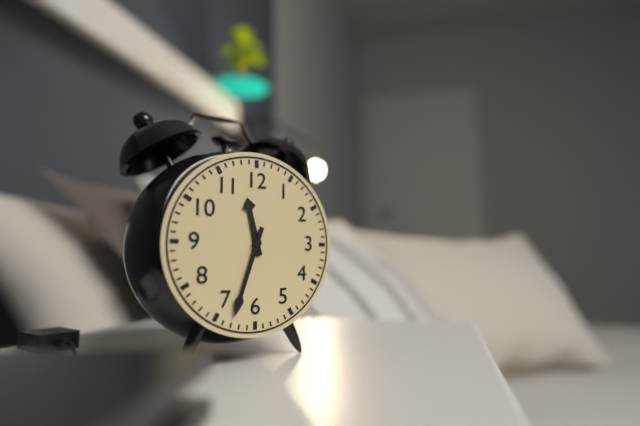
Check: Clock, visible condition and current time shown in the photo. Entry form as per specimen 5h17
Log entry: 11h33
